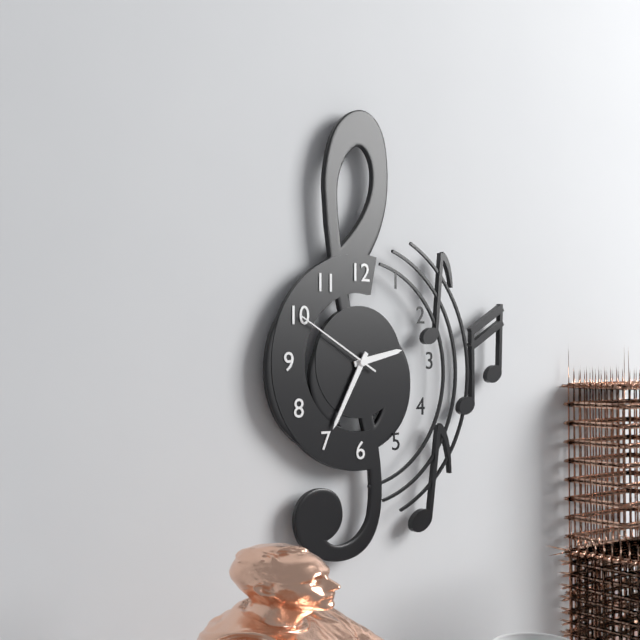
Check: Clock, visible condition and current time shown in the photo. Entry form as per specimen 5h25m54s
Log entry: 2h35m50s
